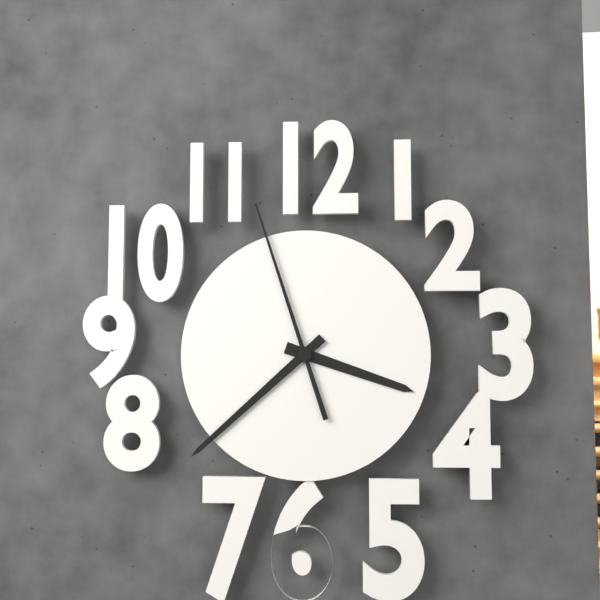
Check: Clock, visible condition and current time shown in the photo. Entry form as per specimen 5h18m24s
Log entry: 3h38m57s
